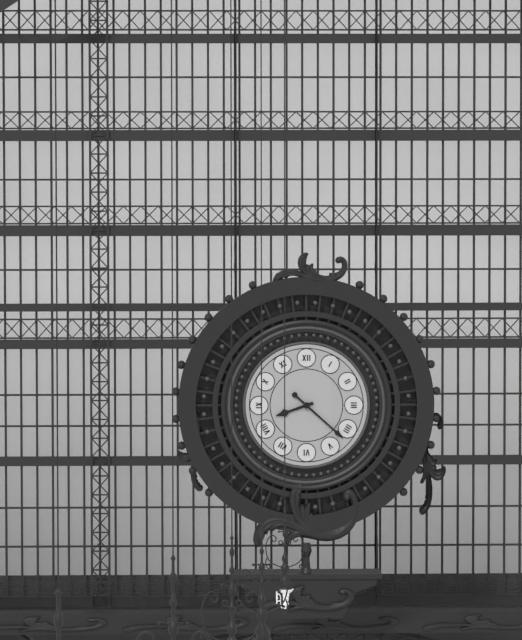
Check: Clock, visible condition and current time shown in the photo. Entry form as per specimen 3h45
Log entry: 8h22
